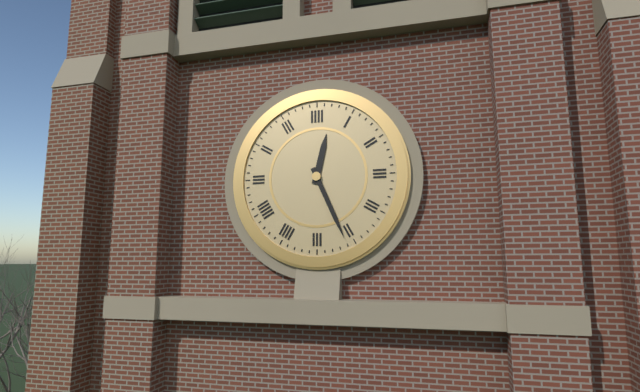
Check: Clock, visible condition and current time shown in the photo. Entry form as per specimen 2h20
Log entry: 12h26
